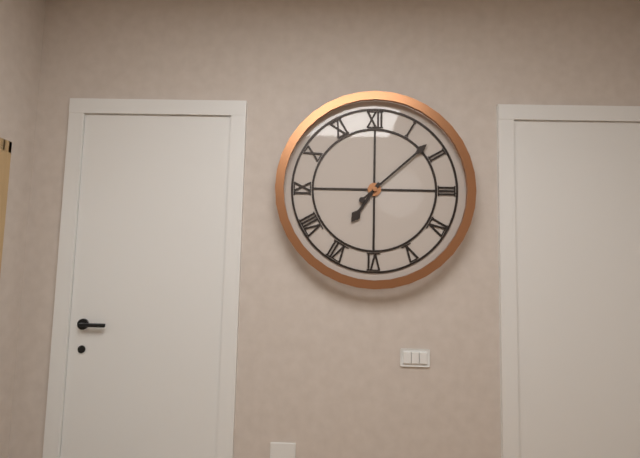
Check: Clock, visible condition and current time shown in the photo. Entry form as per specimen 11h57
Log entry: 7h08
